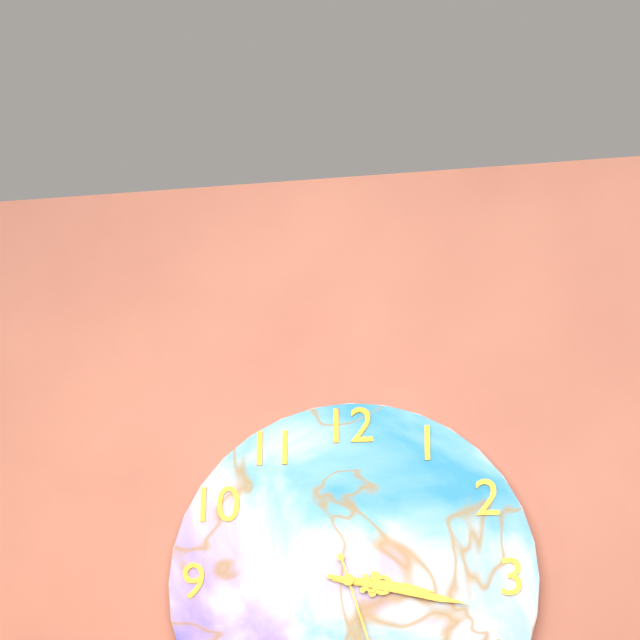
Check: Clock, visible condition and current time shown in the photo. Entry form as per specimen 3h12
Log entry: 3h17
